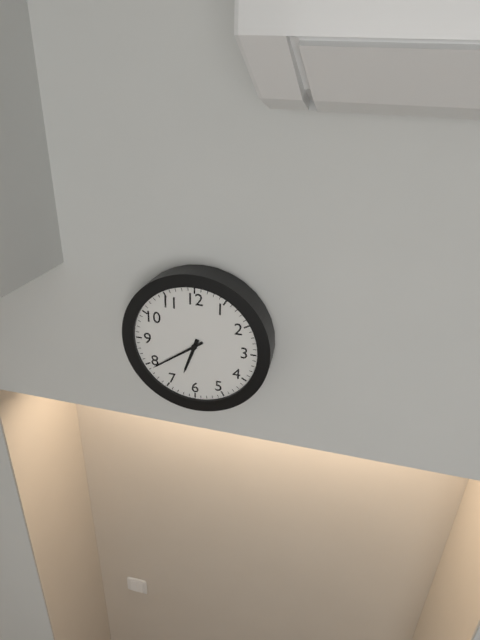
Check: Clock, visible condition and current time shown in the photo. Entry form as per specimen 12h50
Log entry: 6h39
